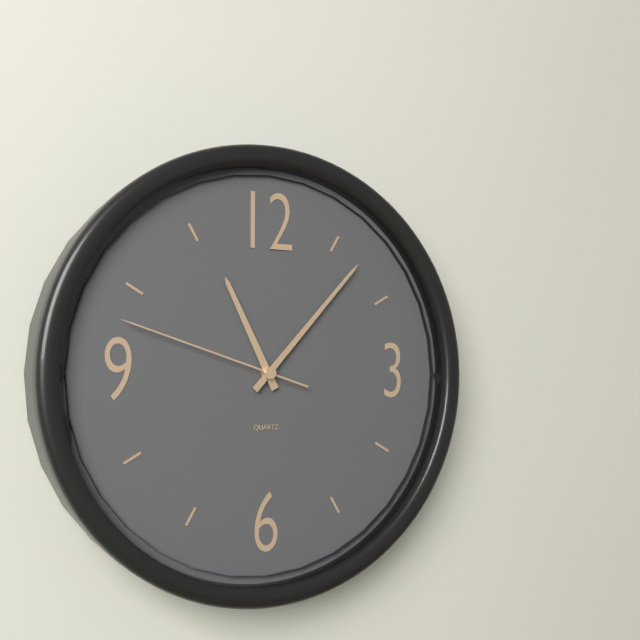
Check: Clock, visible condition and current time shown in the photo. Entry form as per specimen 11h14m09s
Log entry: 11h07m48s
